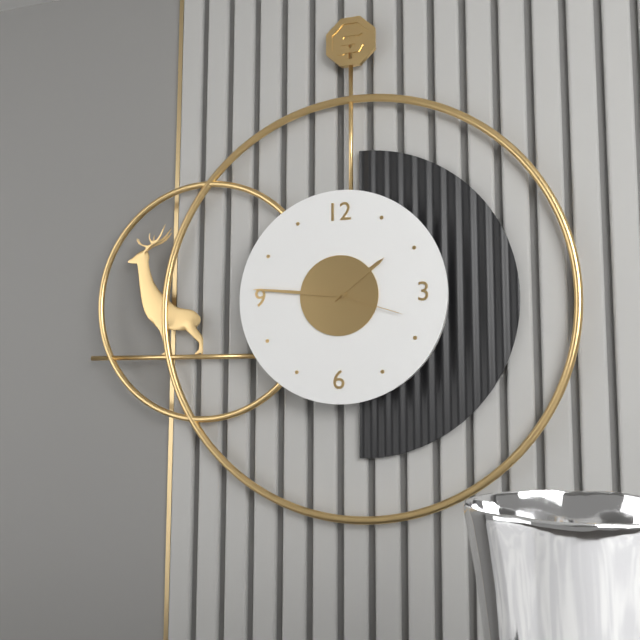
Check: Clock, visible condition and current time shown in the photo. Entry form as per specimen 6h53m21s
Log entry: 1h46m18s
